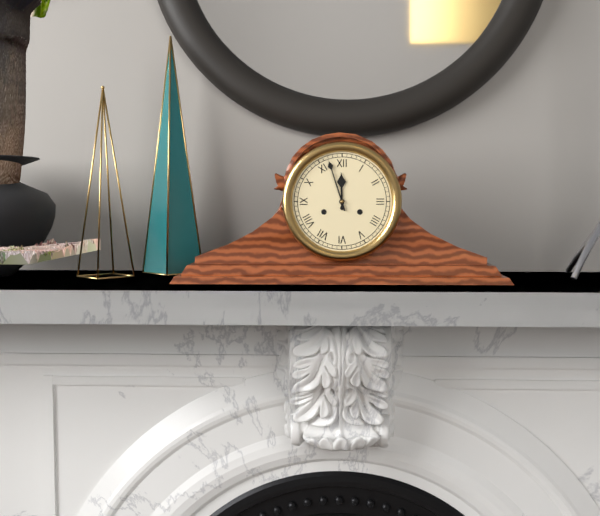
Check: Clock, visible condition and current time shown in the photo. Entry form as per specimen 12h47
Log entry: 11h57
